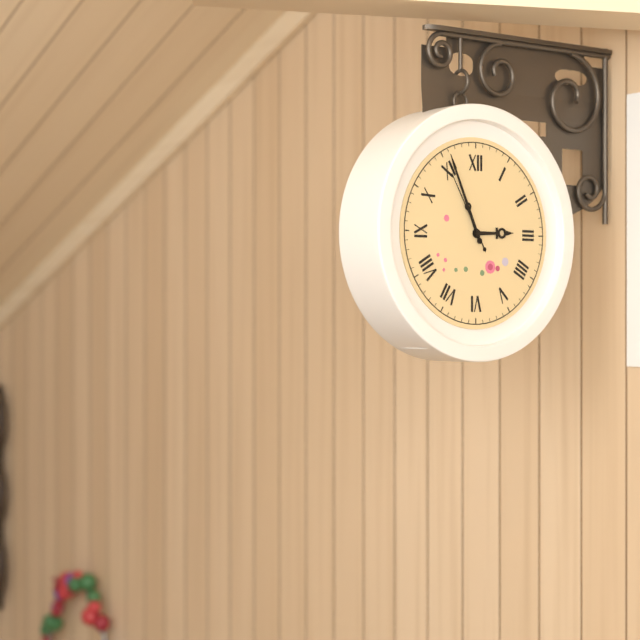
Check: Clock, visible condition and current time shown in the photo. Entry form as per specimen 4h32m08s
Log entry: 2h56m55s
